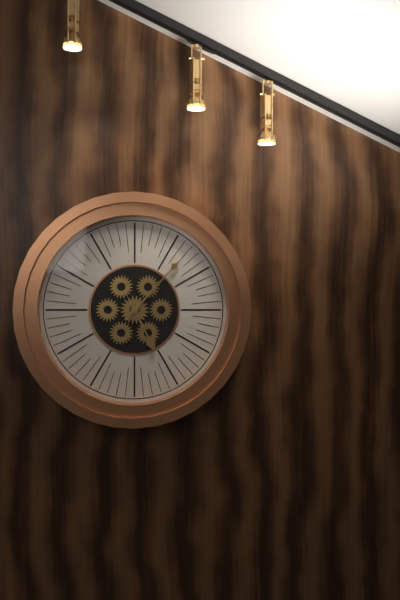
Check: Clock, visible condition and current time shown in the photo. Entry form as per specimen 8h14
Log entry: 5h07
